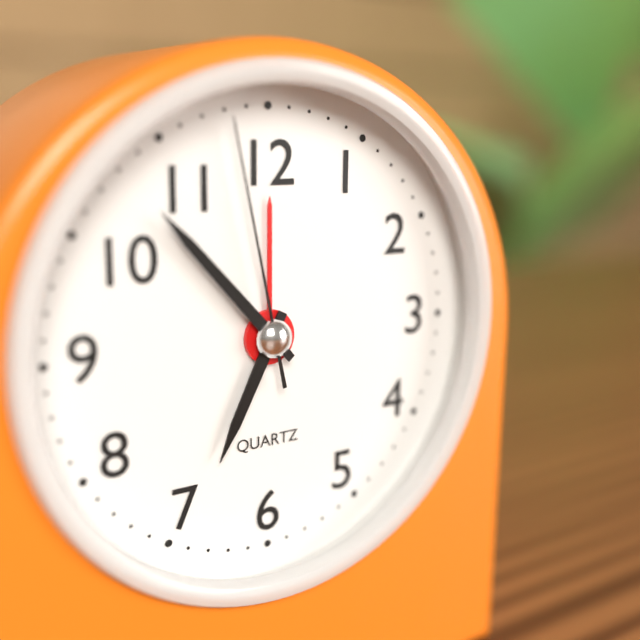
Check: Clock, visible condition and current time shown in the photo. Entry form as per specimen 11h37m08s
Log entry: 6h53m58s
